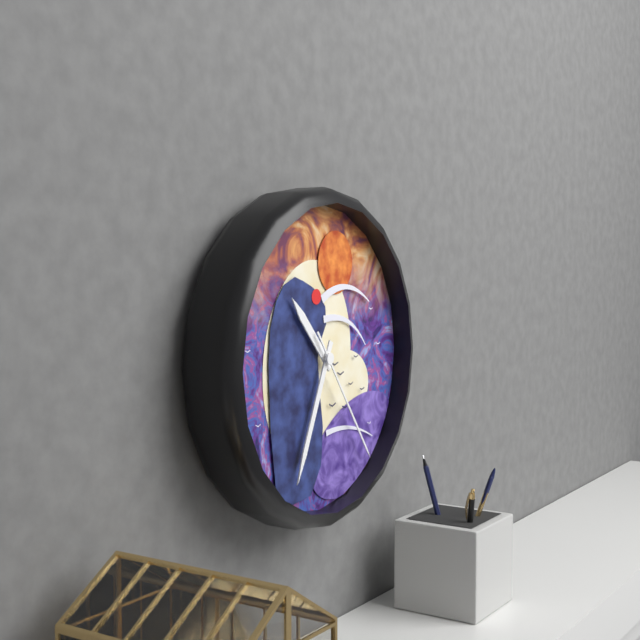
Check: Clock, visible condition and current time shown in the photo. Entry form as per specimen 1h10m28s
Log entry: 10h34m24s
